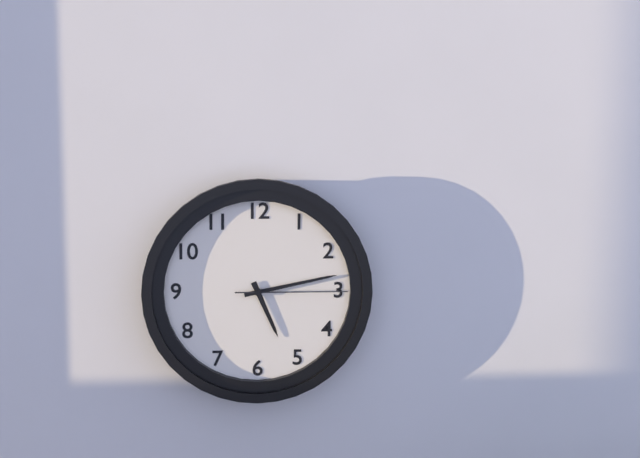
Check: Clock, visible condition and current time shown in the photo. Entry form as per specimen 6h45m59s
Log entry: 5h13m15s
